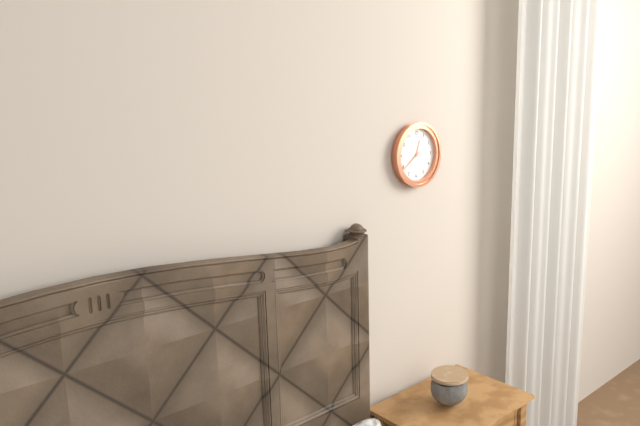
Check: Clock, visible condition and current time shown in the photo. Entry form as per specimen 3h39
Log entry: 12h39
